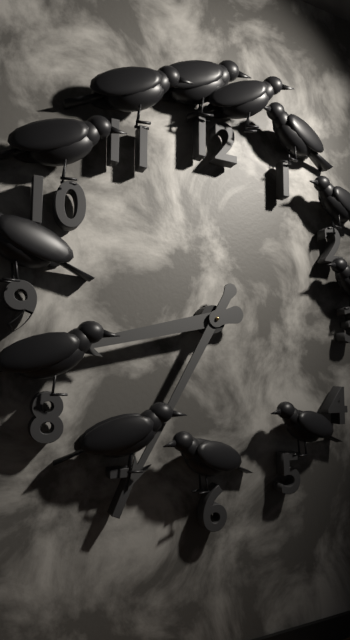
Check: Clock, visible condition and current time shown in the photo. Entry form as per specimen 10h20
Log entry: 8h35
